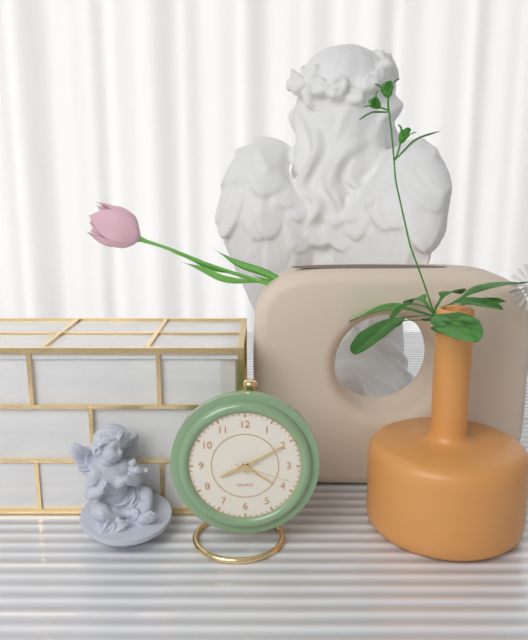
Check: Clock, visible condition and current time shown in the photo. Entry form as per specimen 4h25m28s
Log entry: 8h10m18s
